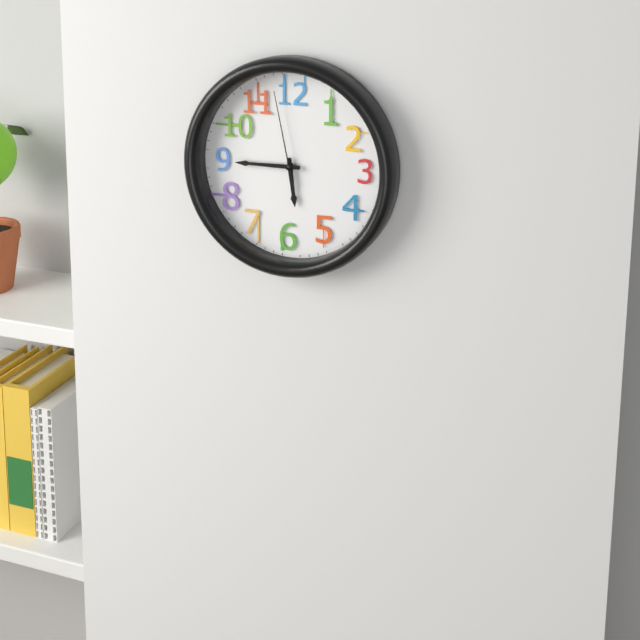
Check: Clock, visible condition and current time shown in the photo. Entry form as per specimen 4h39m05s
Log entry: 5h45m58s
